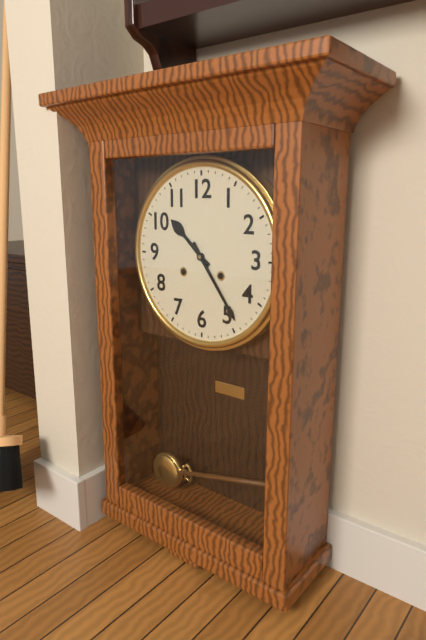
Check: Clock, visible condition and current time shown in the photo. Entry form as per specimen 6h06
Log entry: 10h24
